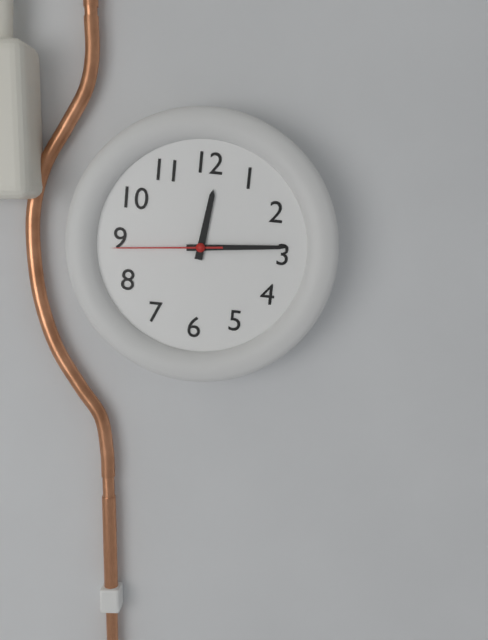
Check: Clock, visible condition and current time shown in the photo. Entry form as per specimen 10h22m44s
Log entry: 12h14m44s
